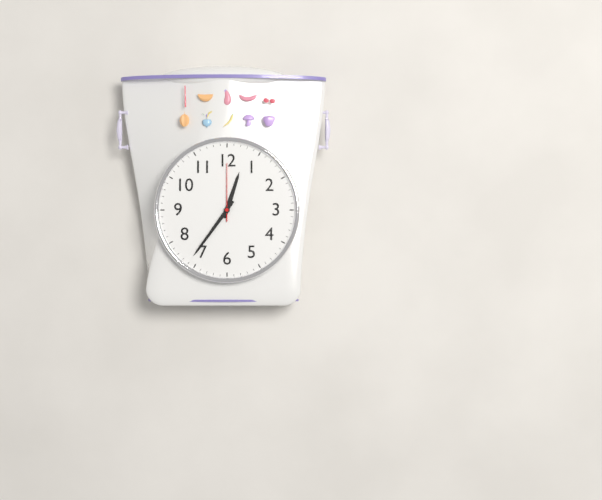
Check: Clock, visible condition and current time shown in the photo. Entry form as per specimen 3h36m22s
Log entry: 12h36m00s
